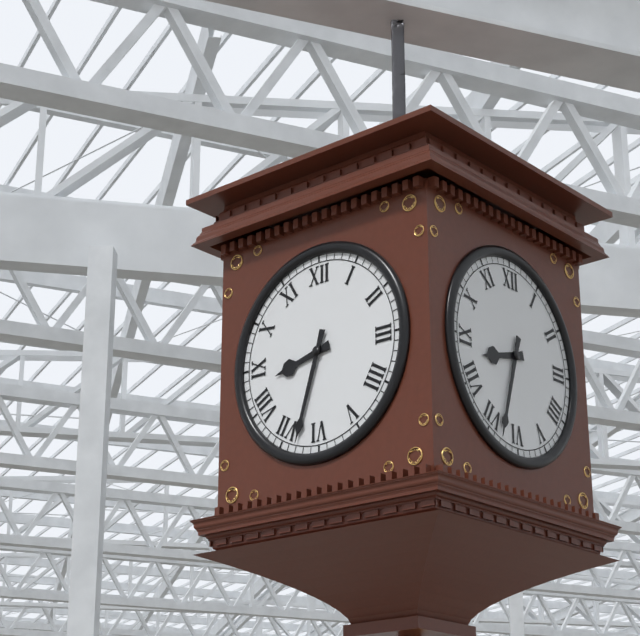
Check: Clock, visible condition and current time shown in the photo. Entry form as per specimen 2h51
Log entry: 8h33
